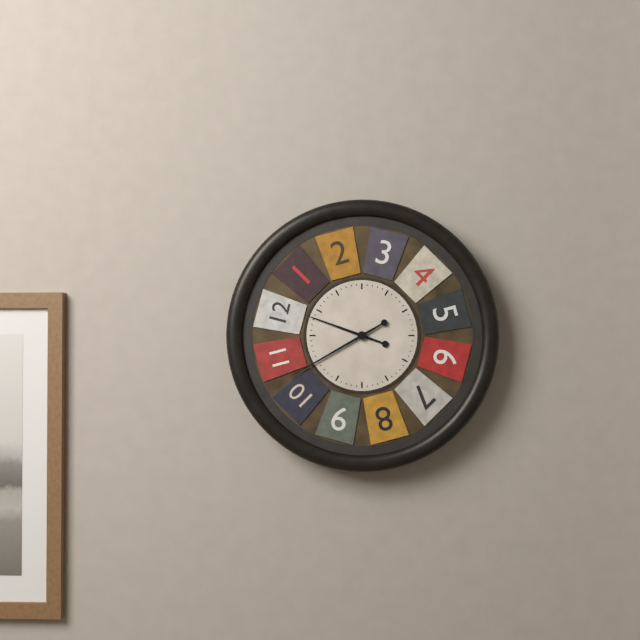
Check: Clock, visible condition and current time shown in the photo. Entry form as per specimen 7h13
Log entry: 9h40
